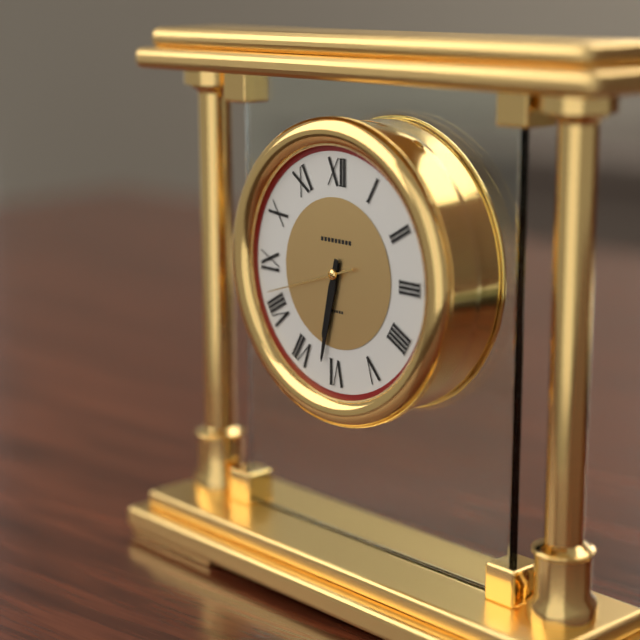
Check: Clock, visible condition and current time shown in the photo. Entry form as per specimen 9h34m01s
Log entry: 6h32m42s
